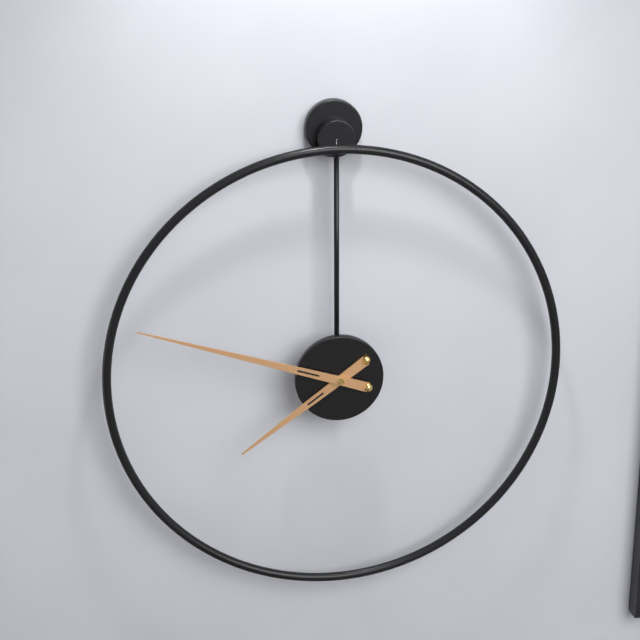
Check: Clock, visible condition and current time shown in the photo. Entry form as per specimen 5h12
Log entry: 7h48
